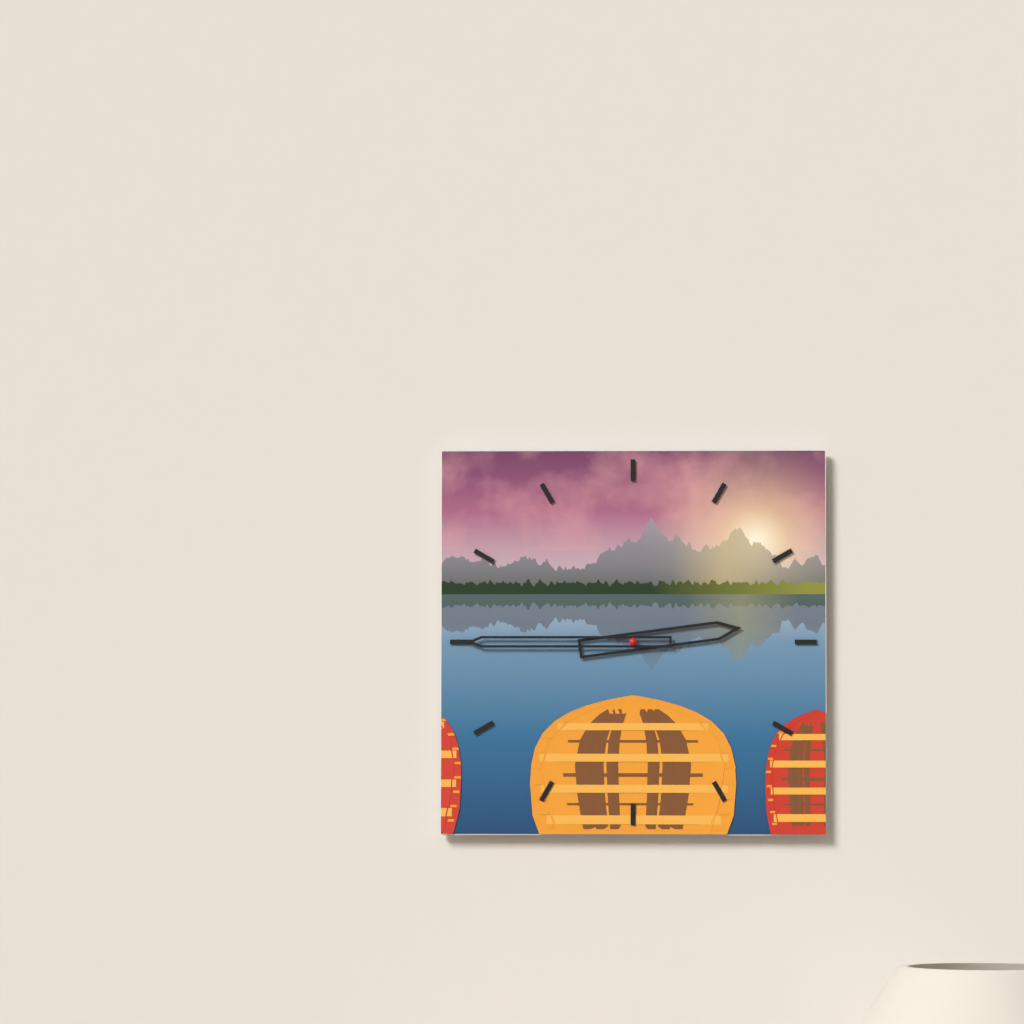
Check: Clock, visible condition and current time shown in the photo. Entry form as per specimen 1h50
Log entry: 2h45
